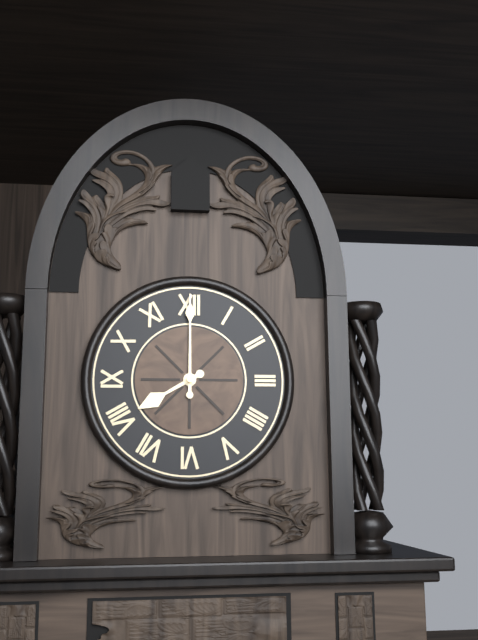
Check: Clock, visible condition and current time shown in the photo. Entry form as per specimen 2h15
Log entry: 8h00
